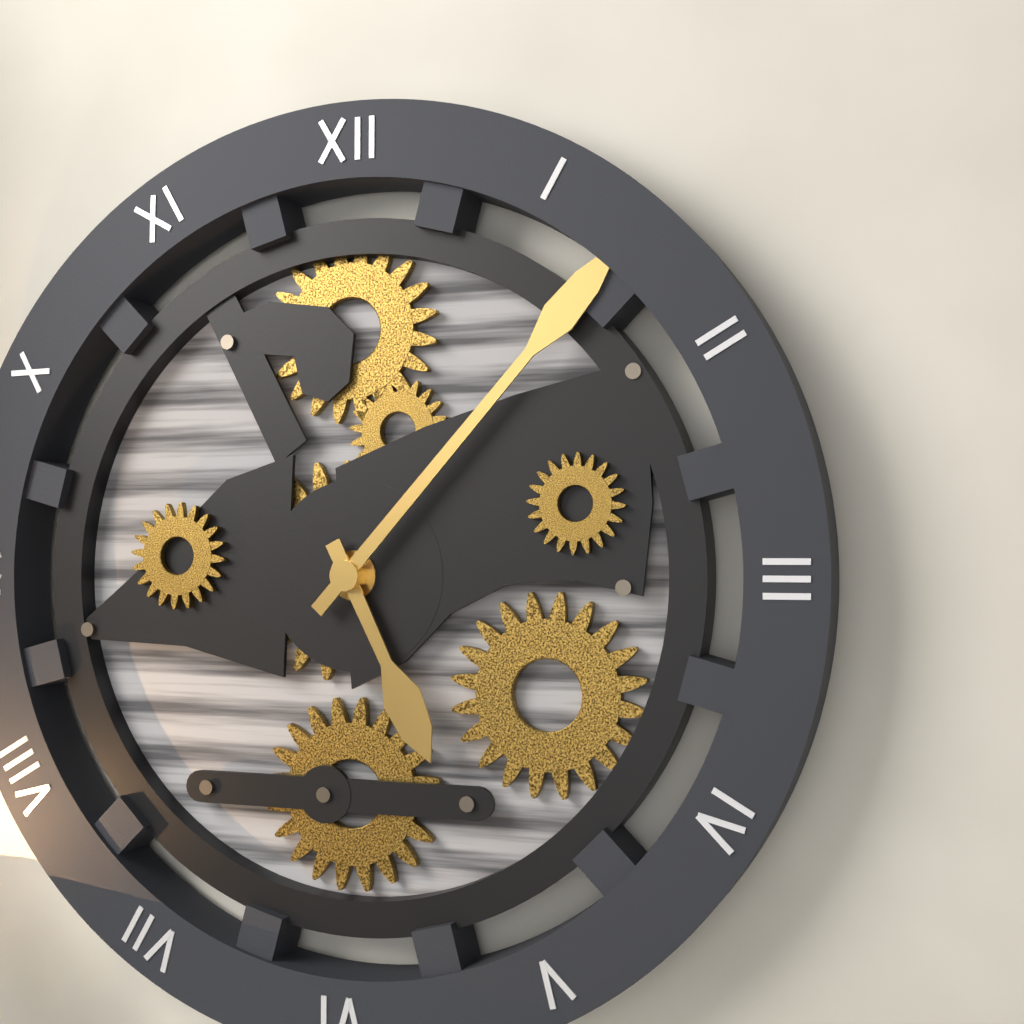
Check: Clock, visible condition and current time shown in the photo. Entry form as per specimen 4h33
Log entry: 5h07
